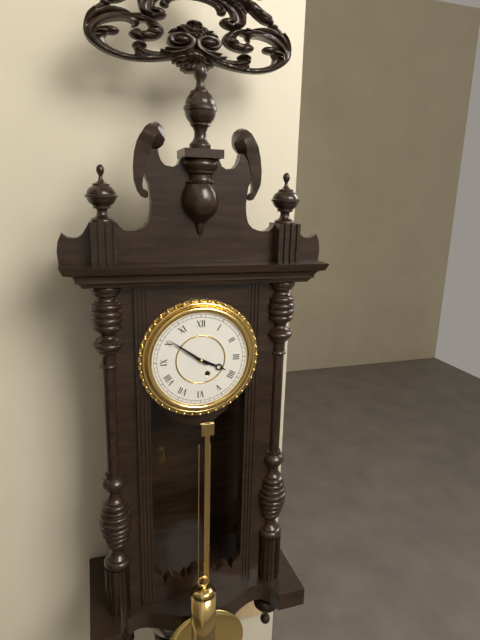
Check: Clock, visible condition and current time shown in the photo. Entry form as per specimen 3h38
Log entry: 3h51
